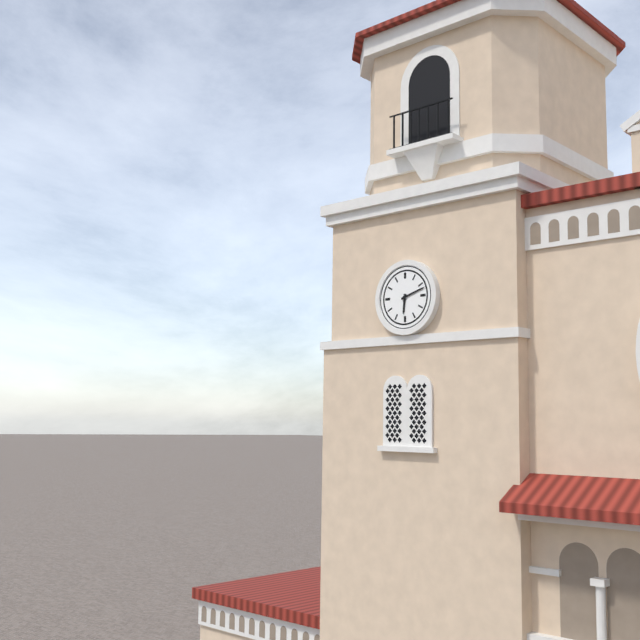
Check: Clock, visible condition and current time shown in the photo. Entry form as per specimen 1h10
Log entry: 6h12
